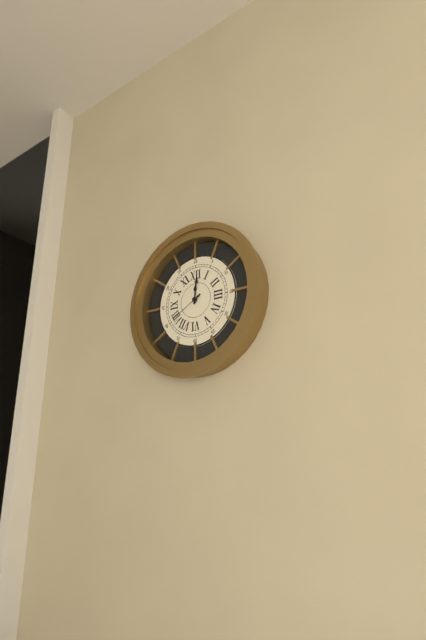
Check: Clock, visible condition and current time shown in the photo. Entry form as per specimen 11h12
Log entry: 12h01
